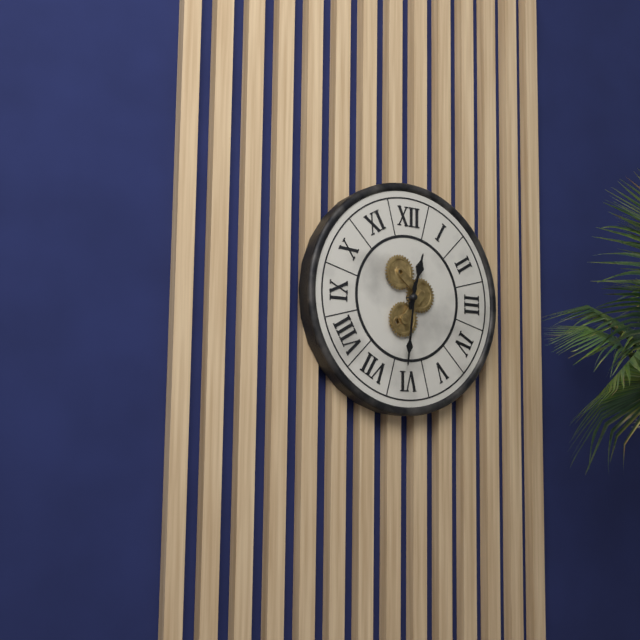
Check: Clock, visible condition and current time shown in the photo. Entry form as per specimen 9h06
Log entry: 12h31
